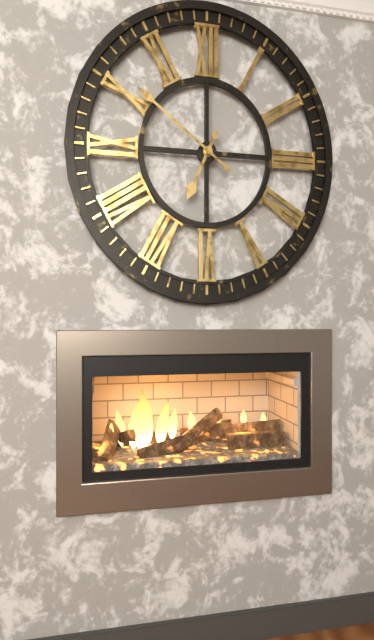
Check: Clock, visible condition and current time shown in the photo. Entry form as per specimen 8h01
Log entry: 6h51
